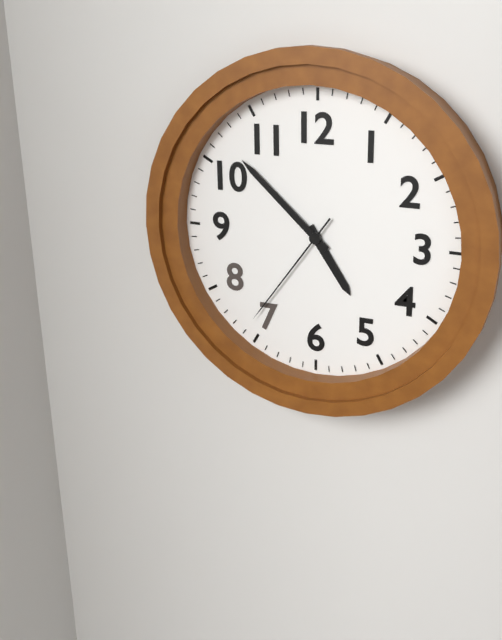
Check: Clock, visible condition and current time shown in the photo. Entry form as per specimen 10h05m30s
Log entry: 4h52m36s
